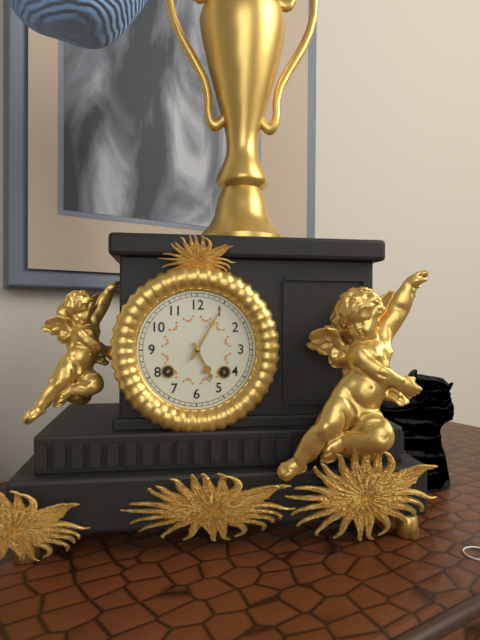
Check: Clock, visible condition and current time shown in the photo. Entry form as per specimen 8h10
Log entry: 5h05
